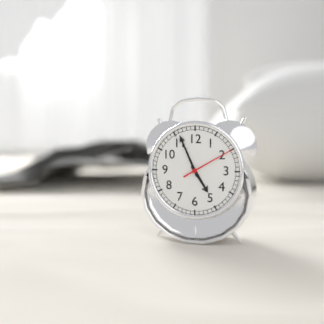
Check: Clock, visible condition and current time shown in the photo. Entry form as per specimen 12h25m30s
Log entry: 4h56m10s
